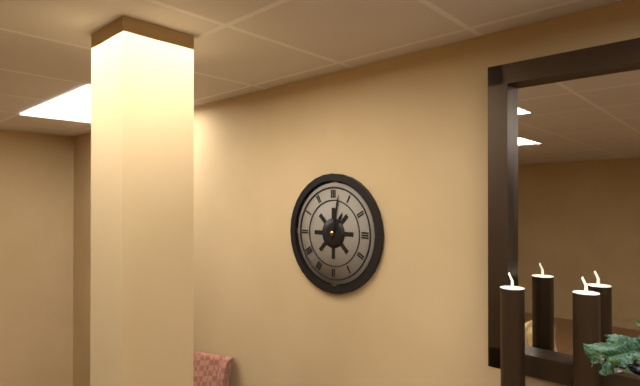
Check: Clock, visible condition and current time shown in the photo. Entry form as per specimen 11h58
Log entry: 1h02
